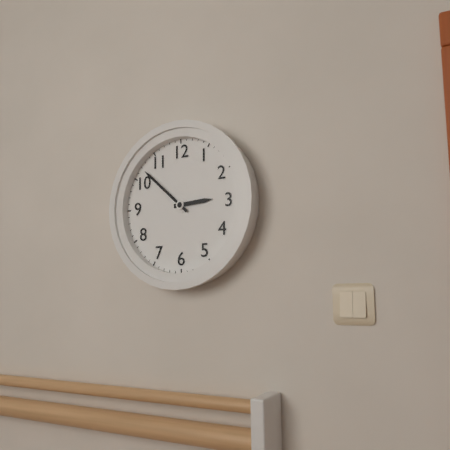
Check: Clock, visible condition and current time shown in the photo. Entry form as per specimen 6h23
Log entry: 2h52
